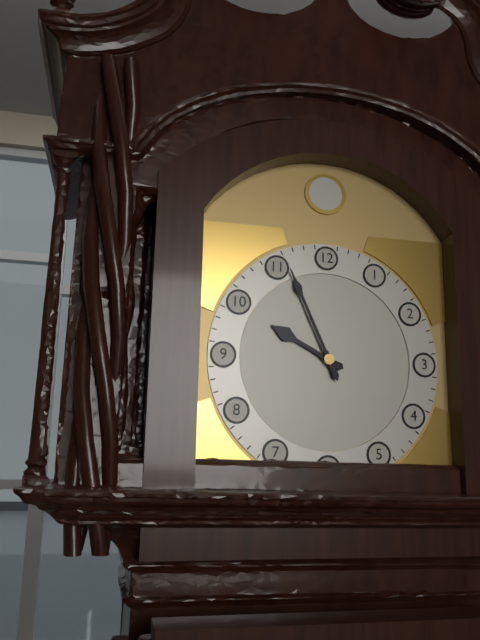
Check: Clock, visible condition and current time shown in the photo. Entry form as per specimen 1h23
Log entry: 9h56
